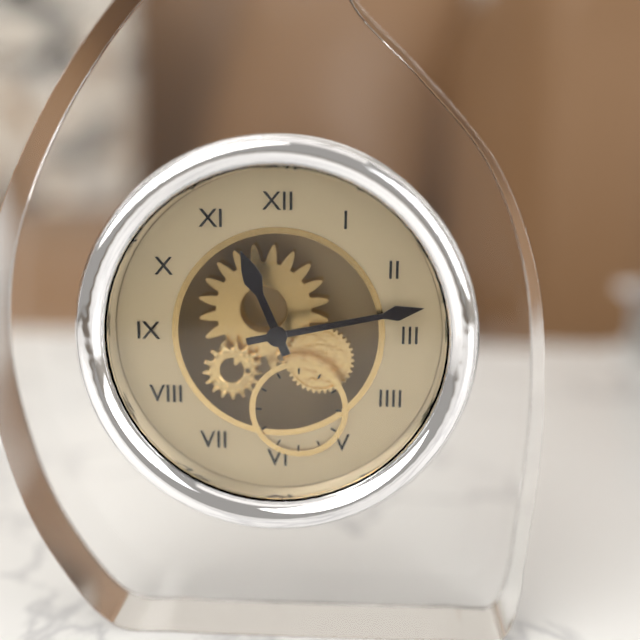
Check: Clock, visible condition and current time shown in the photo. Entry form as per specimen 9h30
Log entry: 11h13
